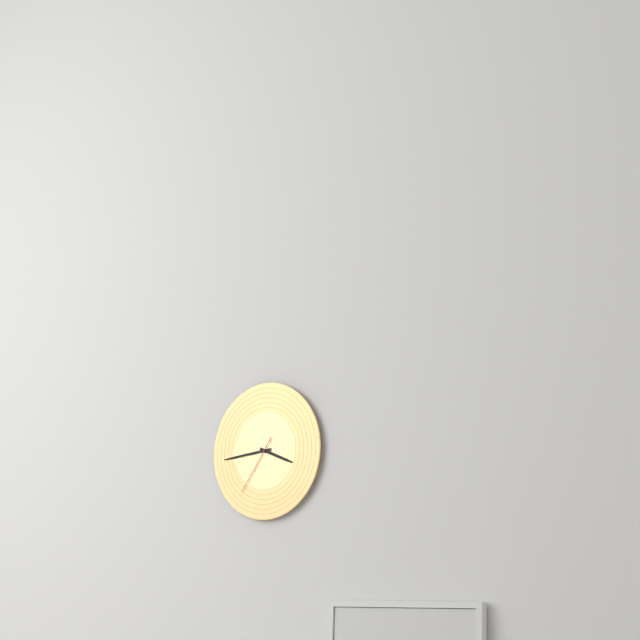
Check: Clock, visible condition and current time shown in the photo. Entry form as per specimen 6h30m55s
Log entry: 3h44m36s
